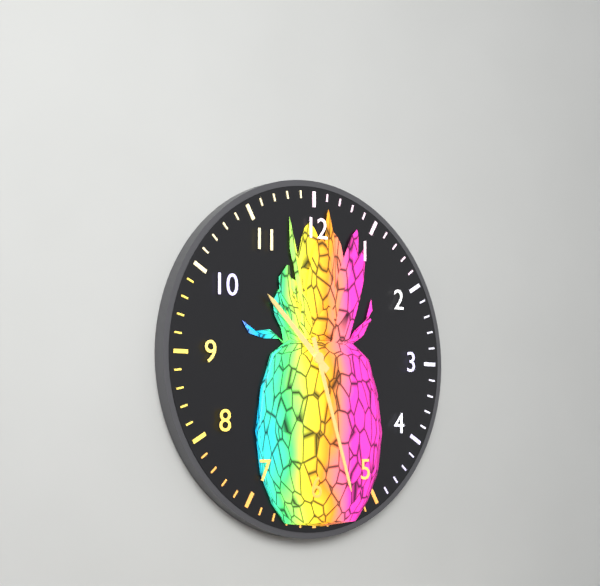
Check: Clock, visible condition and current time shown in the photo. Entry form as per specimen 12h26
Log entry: 10h27
